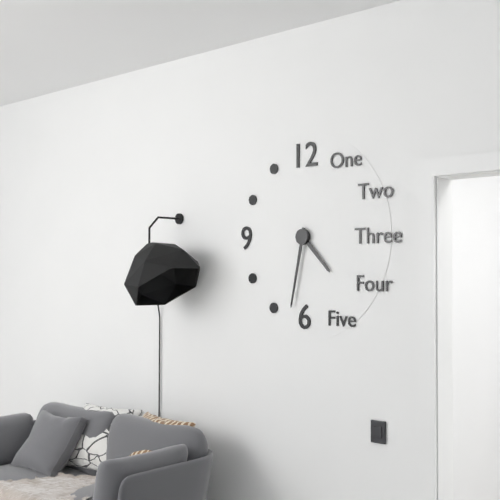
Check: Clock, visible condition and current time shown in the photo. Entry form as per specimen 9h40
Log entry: 4h32
